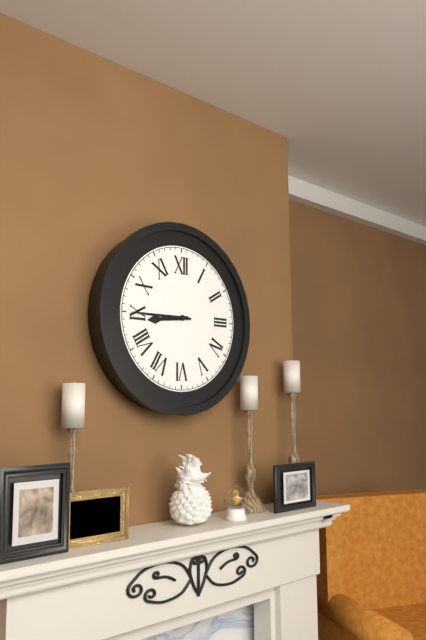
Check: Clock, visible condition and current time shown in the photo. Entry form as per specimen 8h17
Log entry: 8h45
